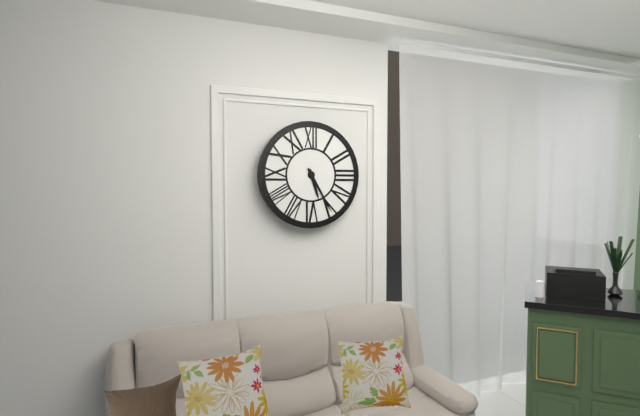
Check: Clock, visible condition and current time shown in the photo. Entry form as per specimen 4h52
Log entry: 5h25
